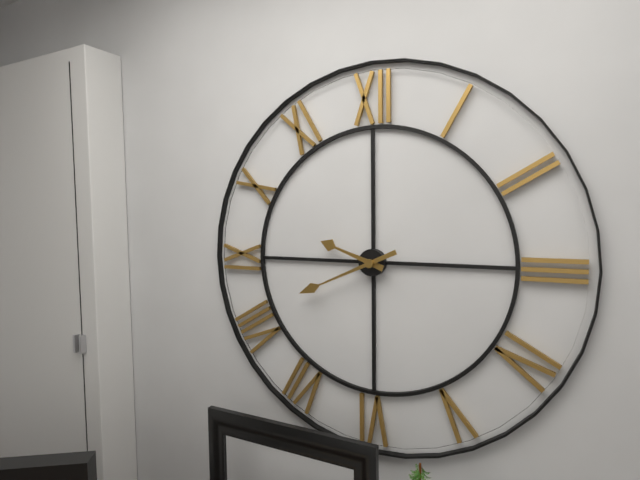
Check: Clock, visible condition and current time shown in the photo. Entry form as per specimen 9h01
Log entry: 9h41
